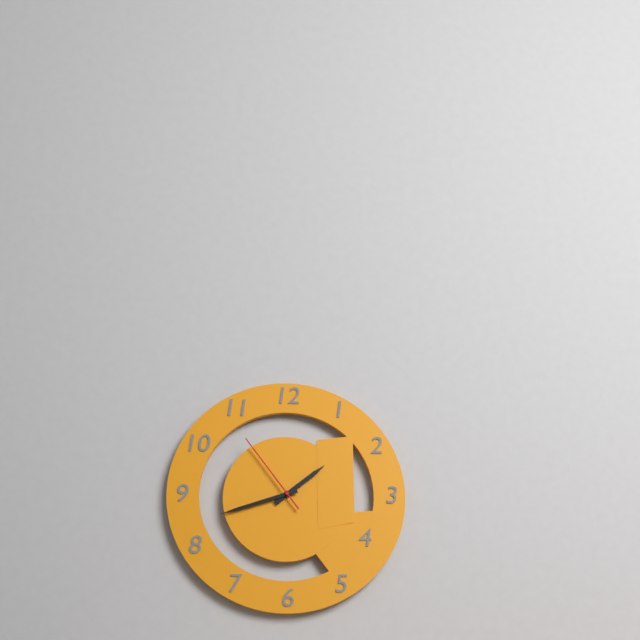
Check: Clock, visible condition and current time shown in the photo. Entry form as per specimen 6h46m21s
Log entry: 1h42m54s
